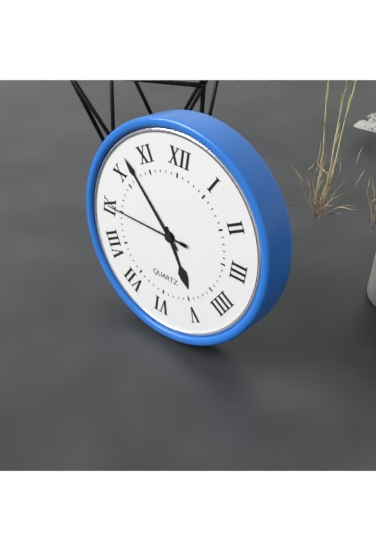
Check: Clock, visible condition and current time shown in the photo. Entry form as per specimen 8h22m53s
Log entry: 4h52m45s
